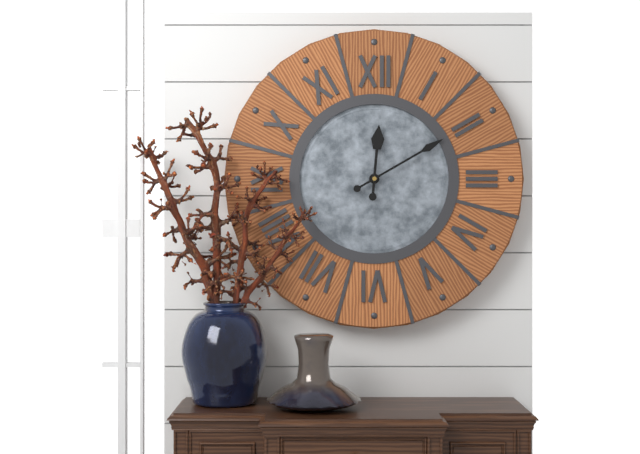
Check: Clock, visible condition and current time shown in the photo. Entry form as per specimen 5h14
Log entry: 12h10
